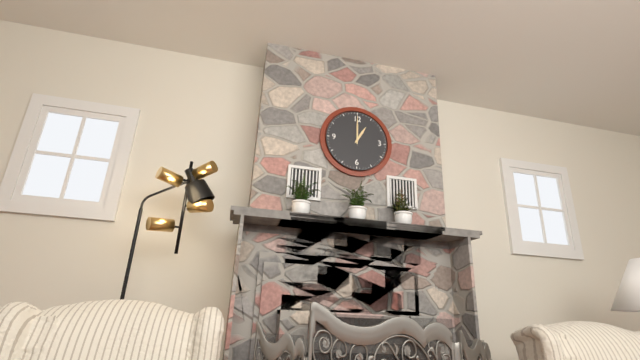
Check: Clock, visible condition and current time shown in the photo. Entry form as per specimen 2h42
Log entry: 1h00
